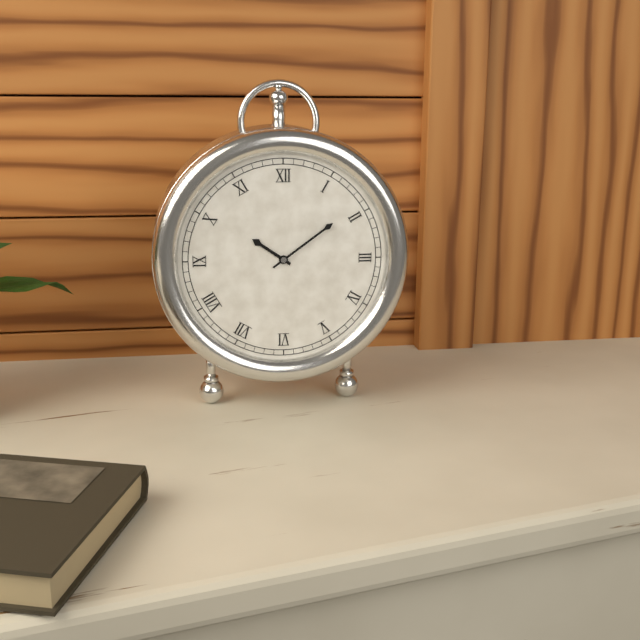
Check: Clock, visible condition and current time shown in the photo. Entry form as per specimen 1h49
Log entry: 10h09
